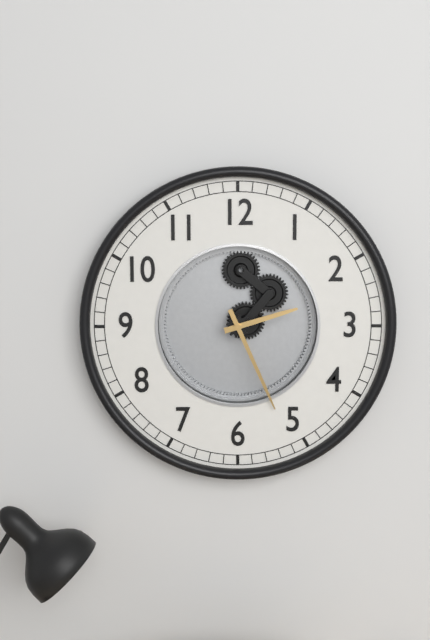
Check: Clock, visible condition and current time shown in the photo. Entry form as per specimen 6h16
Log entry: 2h26
